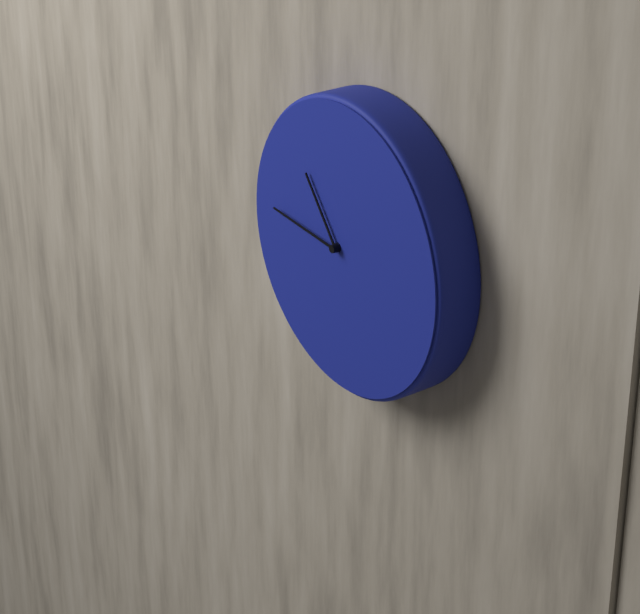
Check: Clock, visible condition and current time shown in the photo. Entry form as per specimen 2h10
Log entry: 10h46
